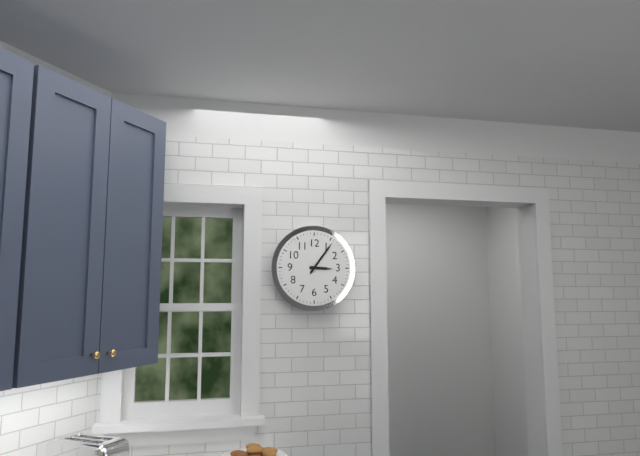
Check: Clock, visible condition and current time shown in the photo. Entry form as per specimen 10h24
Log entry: 3h06
